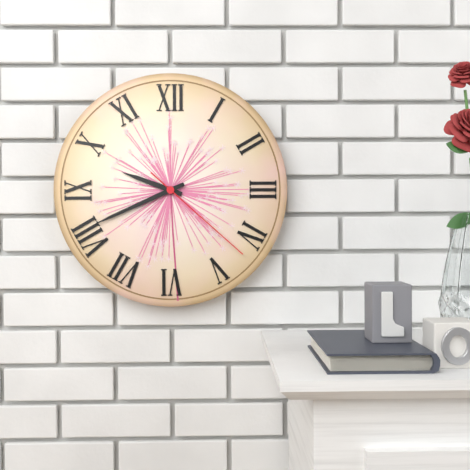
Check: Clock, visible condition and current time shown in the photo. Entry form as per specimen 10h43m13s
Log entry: 9h41m22s
